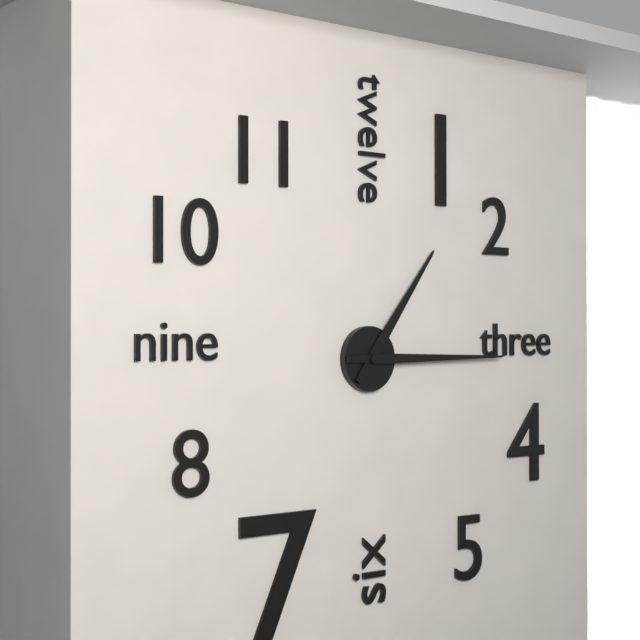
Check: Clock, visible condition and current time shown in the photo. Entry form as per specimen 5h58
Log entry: 1h15
